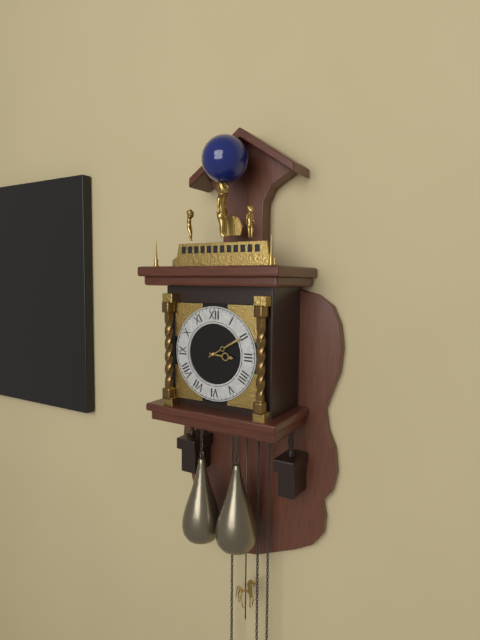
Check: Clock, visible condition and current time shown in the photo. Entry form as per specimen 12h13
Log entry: 3h10
